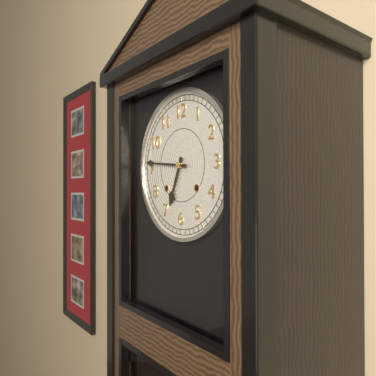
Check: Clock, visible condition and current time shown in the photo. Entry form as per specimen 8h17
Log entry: 6h46
